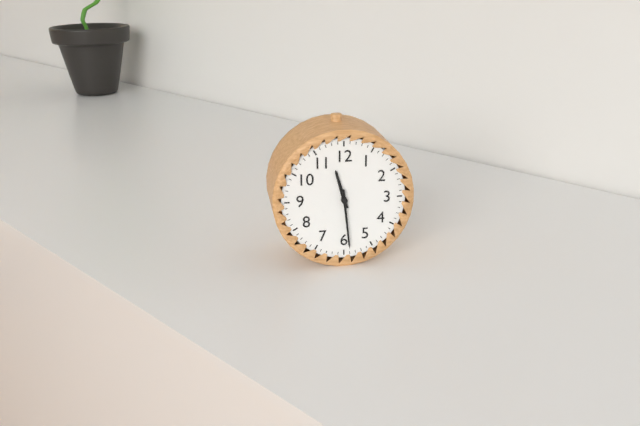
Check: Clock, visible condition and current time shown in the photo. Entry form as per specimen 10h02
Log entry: 11h29
